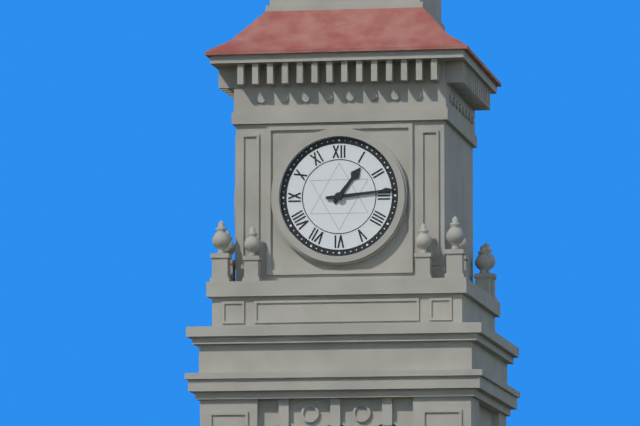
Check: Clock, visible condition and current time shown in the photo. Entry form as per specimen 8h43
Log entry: 1h14
